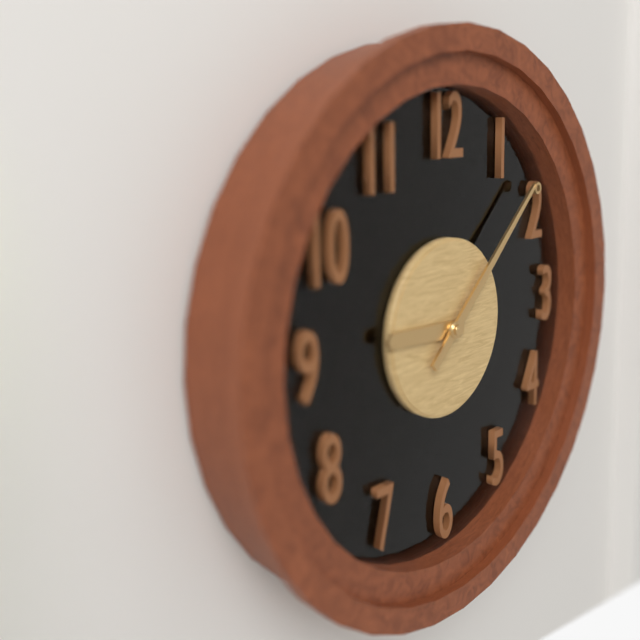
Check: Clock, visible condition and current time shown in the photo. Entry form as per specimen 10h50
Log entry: 9h08
